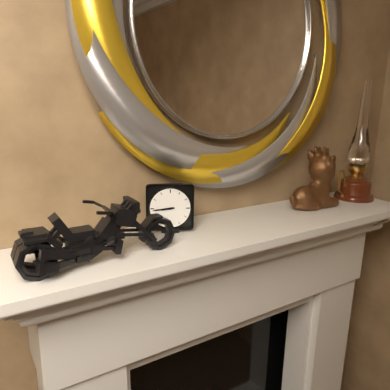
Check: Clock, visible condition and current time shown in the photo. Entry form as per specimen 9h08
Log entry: 8h44
